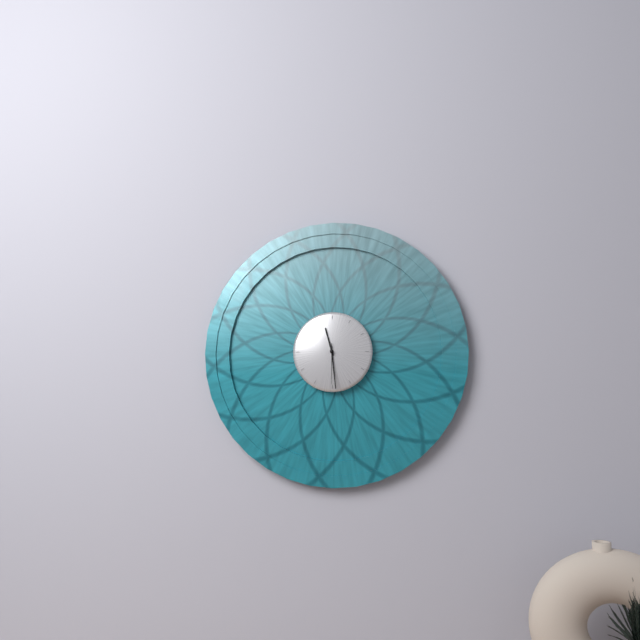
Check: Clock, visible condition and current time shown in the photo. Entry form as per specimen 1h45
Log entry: 11h29
